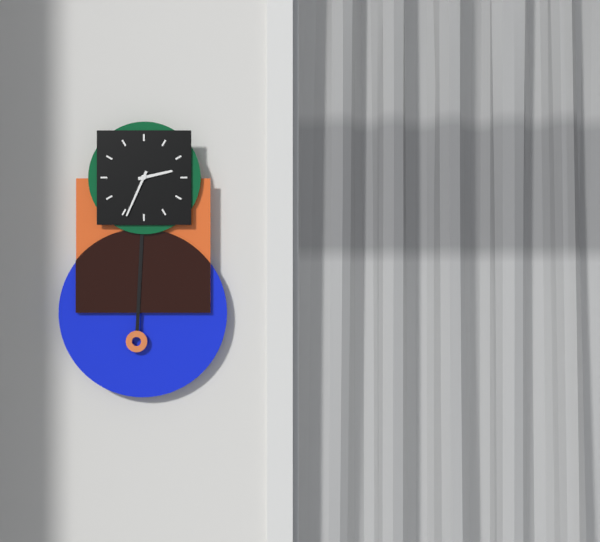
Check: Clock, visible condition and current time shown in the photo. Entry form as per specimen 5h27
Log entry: 2h34
